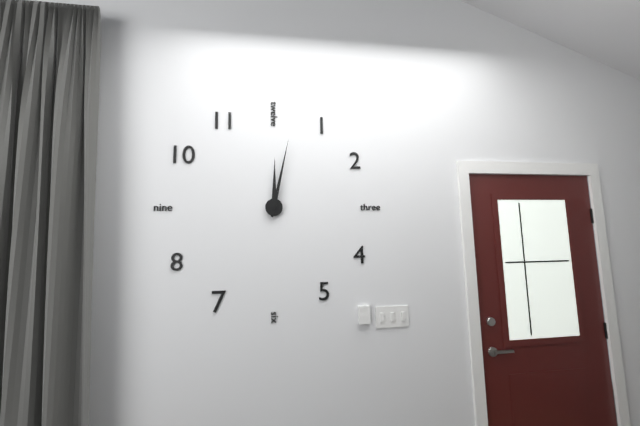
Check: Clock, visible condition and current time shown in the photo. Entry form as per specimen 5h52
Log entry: 12h02
